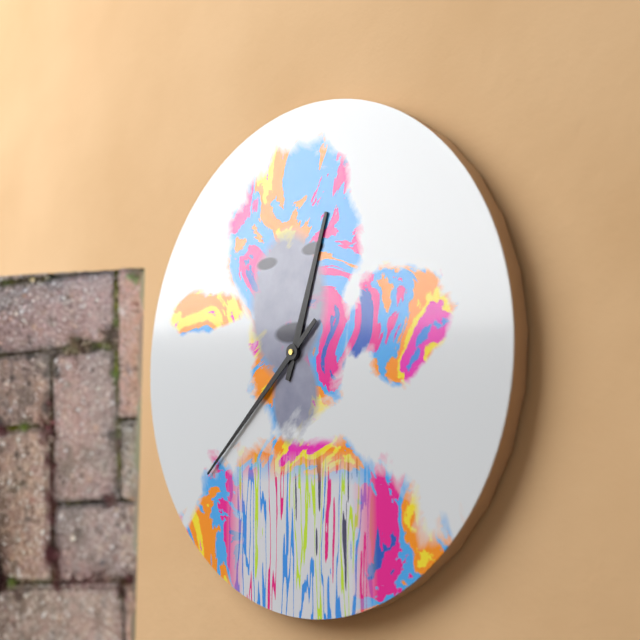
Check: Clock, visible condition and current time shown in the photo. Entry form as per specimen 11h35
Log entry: 12h38
